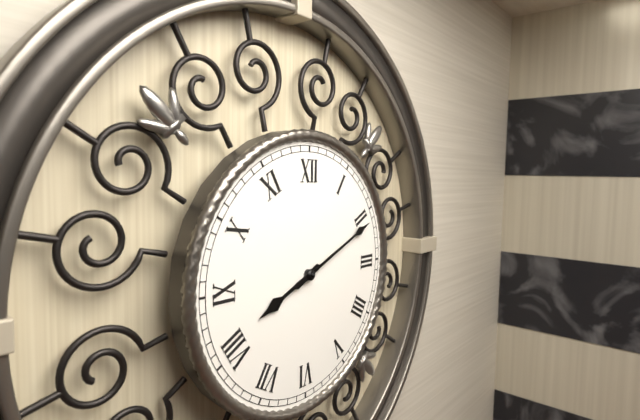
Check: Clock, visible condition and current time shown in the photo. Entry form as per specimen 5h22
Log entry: 8h11
